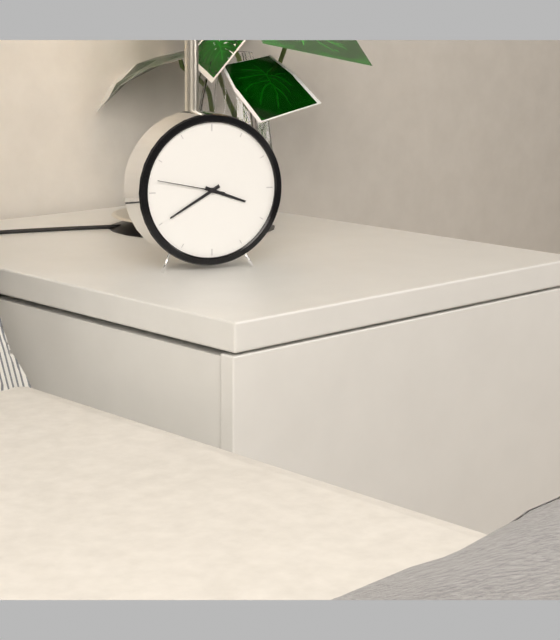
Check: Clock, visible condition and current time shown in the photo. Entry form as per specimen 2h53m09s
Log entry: 3h40m47s
